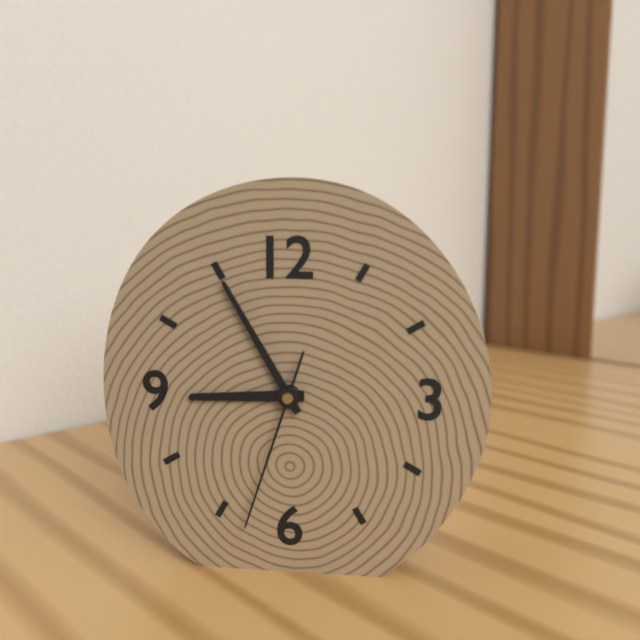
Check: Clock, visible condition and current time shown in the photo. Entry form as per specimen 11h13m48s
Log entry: 8h55m33s
